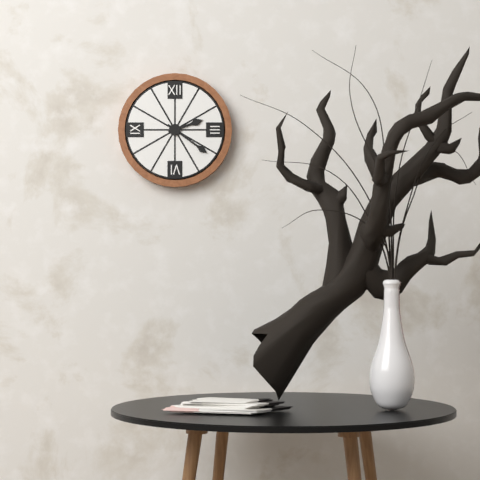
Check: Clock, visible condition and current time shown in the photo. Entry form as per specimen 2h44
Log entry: 2h21
